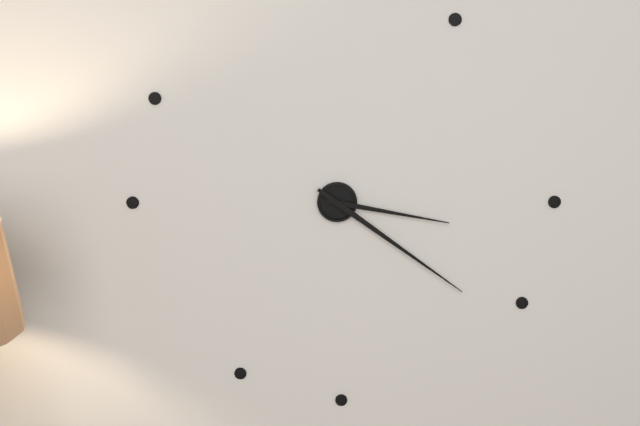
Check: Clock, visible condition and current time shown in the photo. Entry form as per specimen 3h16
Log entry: 3h21
